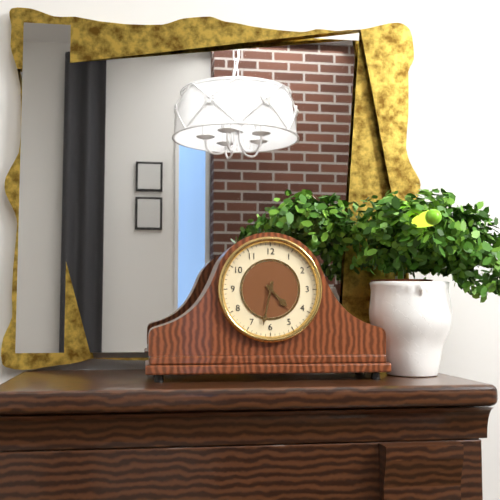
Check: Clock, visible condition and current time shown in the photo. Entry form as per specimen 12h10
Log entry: 4h32
